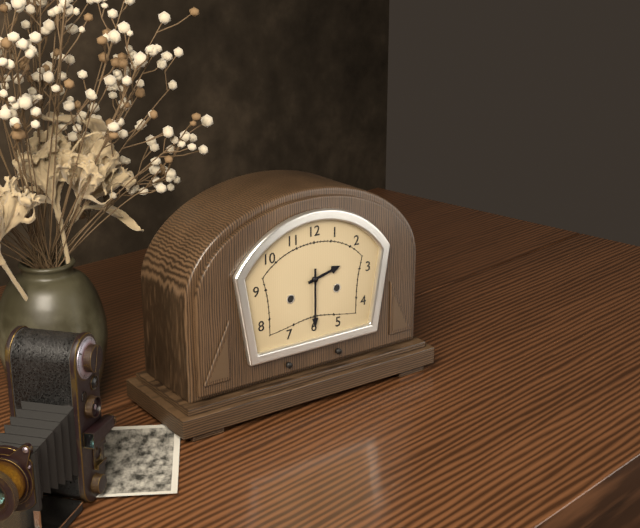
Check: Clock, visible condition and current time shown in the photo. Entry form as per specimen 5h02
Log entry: 2h30
